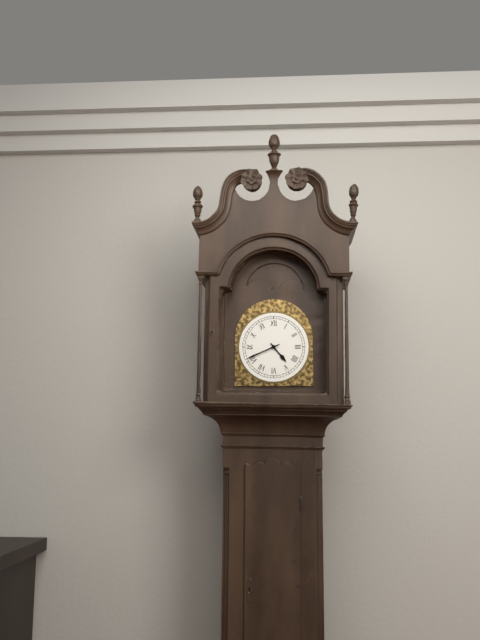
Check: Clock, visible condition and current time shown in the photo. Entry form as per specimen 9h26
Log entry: 4h41
